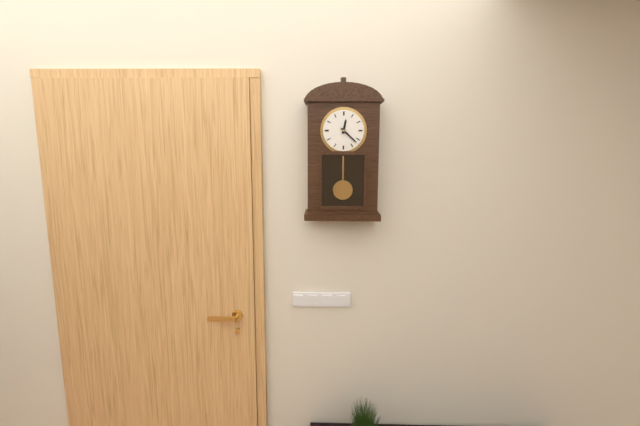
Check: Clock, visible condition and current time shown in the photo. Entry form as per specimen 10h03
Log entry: 12h22
